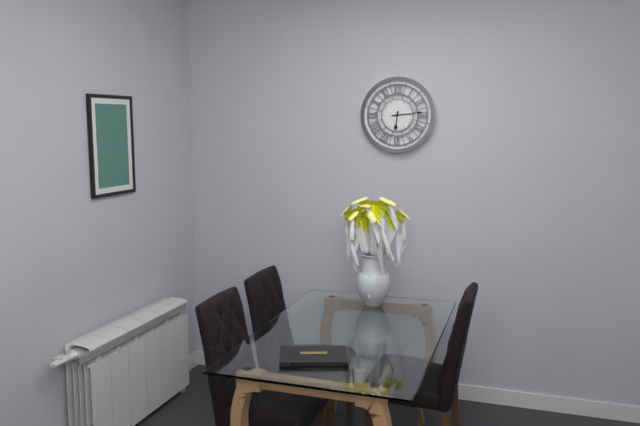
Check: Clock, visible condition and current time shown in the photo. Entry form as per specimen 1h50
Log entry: 6h14
